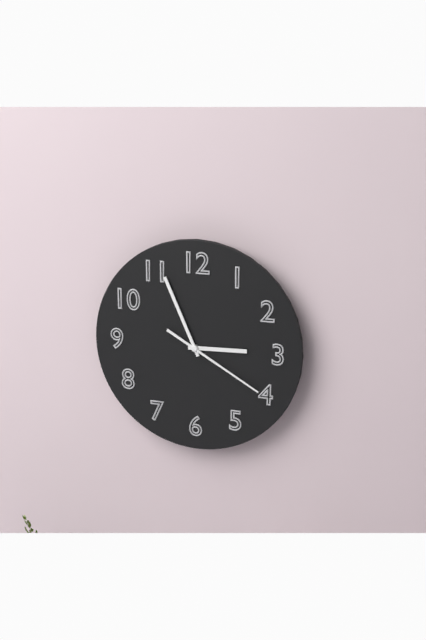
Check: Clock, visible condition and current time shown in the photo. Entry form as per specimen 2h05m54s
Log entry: 2h56m20s
